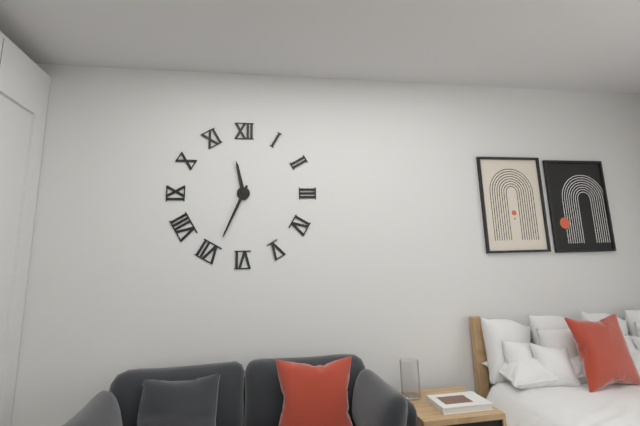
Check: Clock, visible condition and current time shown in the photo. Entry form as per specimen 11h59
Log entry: 11h34
